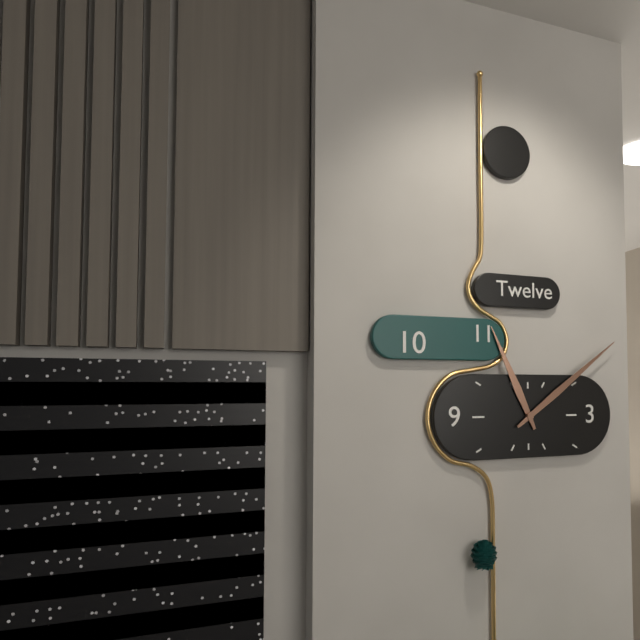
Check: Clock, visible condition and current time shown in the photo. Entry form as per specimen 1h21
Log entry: 11h09
